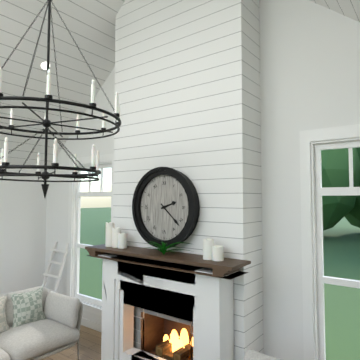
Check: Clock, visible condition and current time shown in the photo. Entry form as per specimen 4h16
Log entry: 2h22
